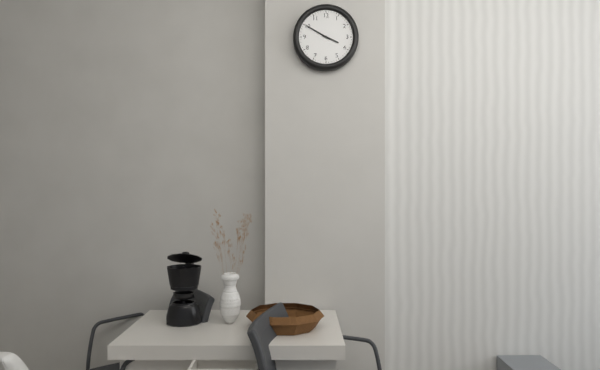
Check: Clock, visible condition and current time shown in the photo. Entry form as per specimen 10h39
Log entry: 3h50
